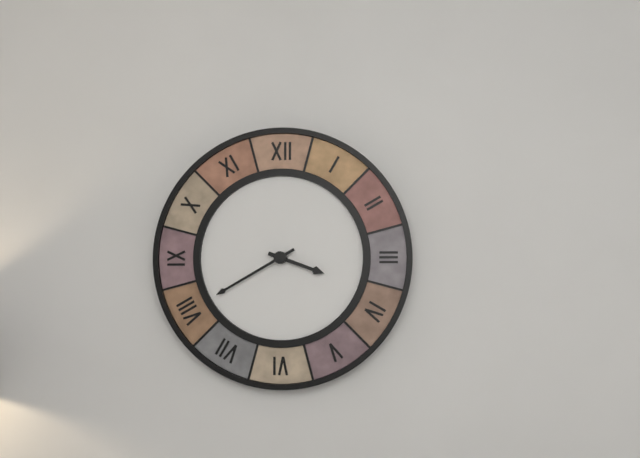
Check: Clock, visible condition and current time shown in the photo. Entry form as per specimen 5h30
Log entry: 3h40
